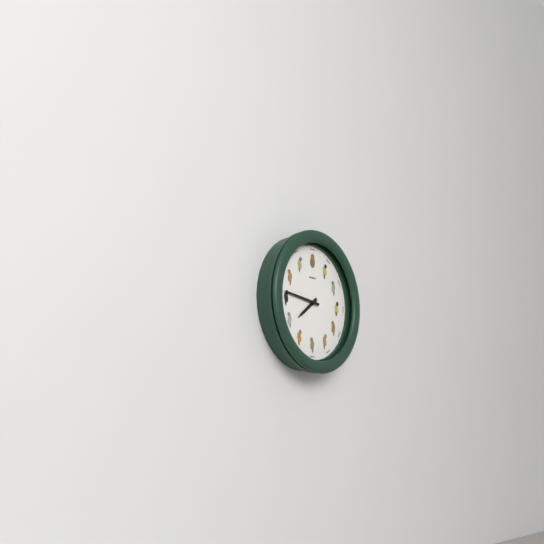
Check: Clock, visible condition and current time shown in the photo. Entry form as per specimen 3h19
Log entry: 7h46
